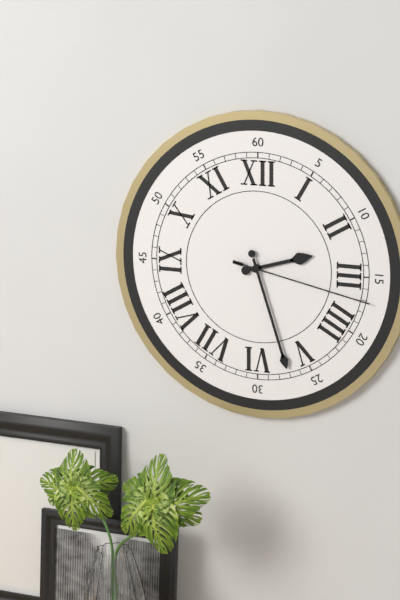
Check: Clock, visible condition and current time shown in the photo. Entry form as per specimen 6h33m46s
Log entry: 2h27m17s
